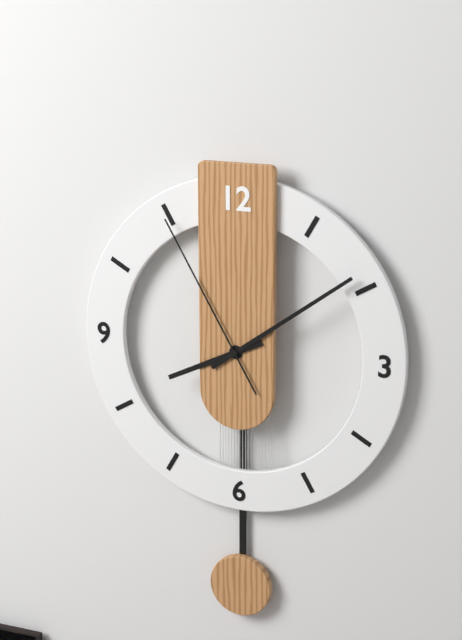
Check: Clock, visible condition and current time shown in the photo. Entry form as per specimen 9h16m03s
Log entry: 8h09m55s
